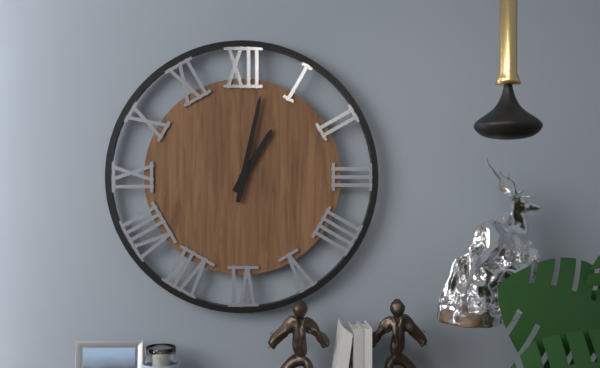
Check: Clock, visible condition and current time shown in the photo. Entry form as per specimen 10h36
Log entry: 1h02
